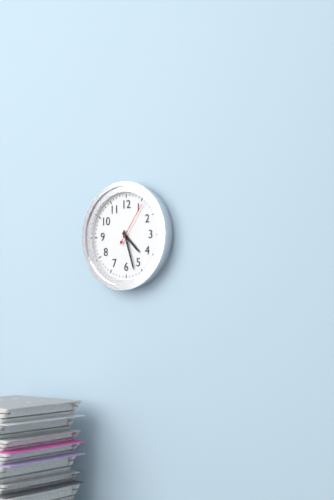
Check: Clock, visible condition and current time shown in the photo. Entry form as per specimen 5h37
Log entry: 4h27
